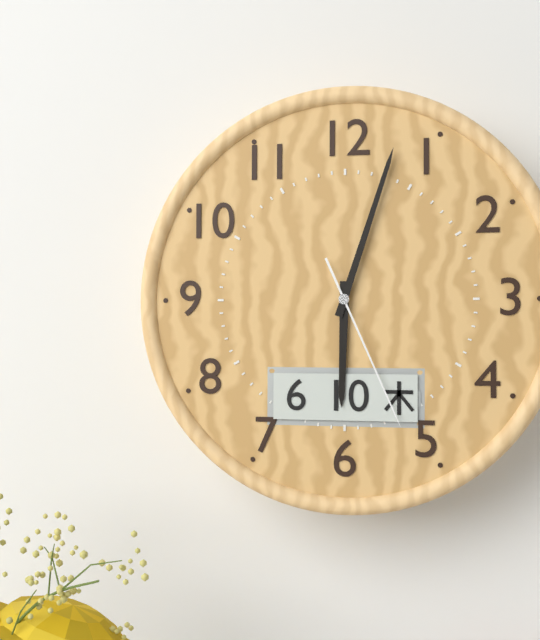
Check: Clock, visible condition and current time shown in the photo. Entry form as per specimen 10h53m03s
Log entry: 6h03m26s
